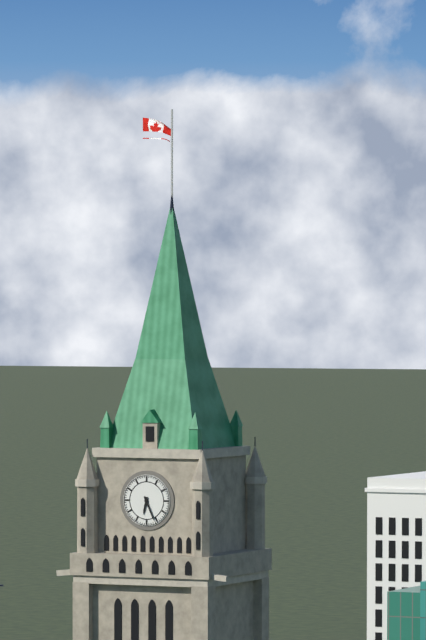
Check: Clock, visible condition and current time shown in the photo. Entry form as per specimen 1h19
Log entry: 6h26
